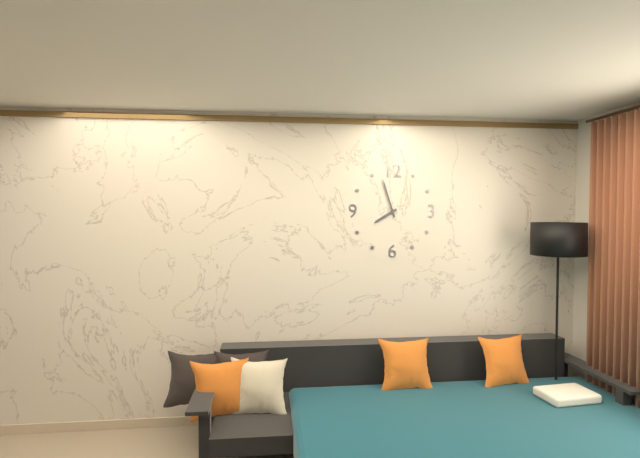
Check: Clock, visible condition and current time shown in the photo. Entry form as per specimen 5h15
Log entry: 7h57
